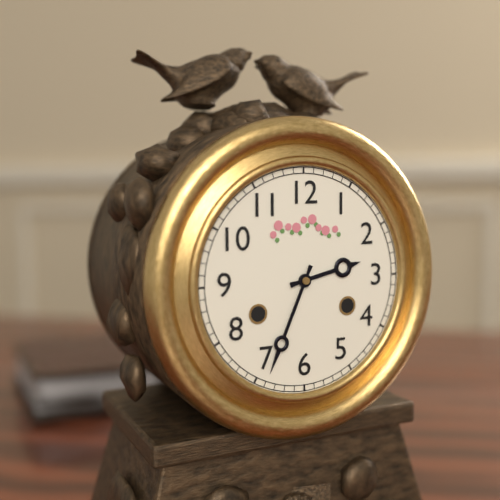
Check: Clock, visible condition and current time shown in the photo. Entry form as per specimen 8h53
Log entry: 2h34
